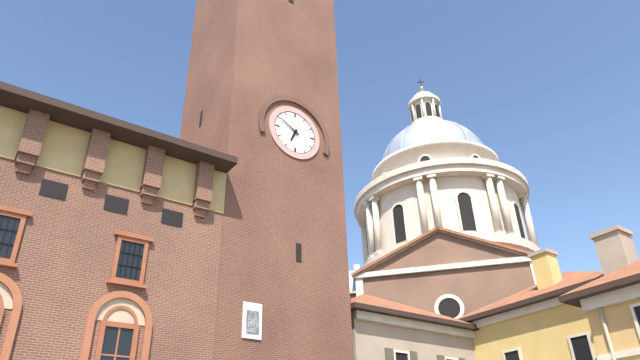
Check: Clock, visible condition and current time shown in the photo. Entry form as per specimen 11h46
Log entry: 6h50
